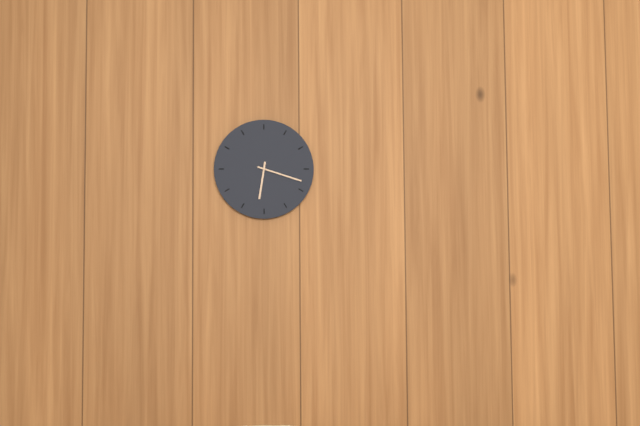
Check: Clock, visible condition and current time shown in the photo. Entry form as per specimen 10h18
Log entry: 6h18
